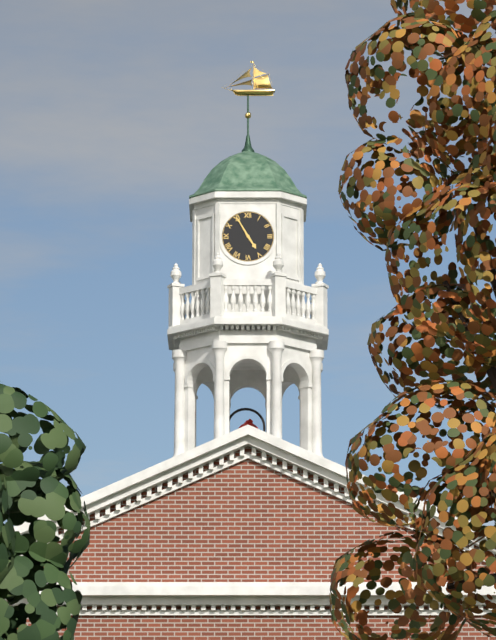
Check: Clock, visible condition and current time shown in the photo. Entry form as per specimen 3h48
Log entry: 4h55
